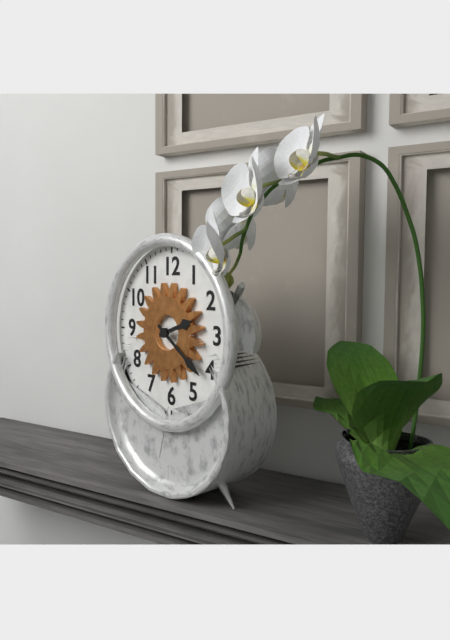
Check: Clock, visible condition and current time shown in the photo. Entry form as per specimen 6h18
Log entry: 2h21
